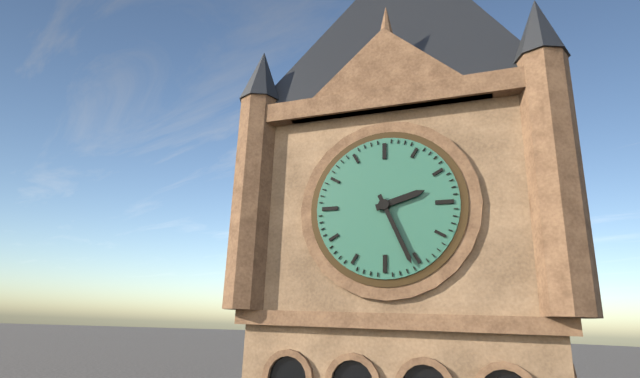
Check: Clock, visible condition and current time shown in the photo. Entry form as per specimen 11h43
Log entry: 2h26
